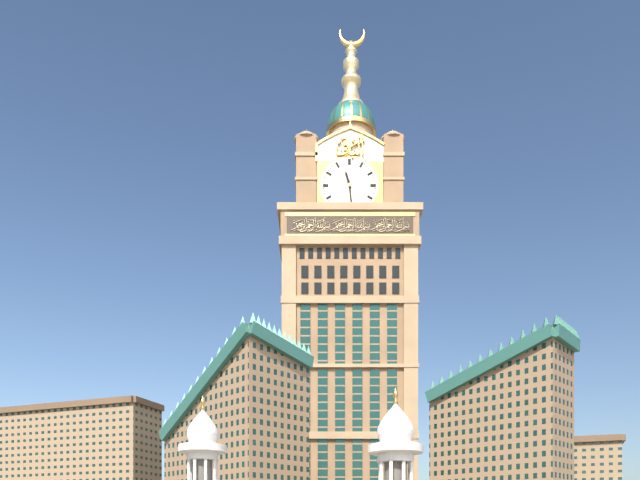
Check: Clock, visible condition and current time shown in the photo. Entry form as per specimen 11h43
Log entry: 11h29
